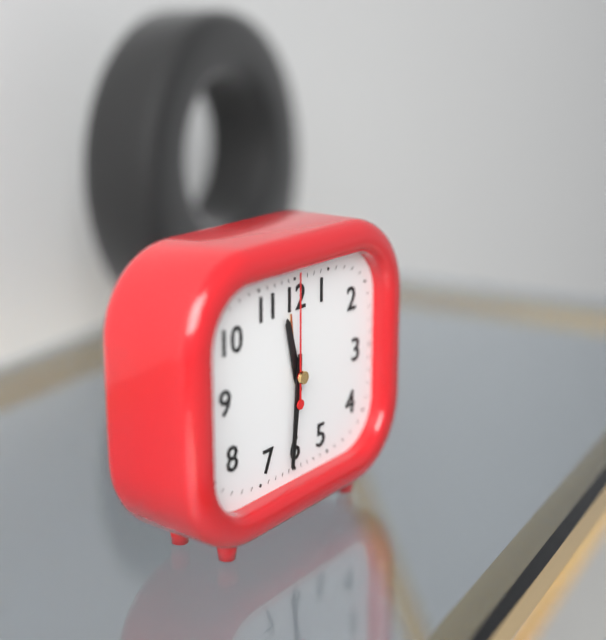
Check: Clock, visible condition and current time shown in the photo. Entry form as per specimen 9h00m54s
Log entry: 11h31m00s
